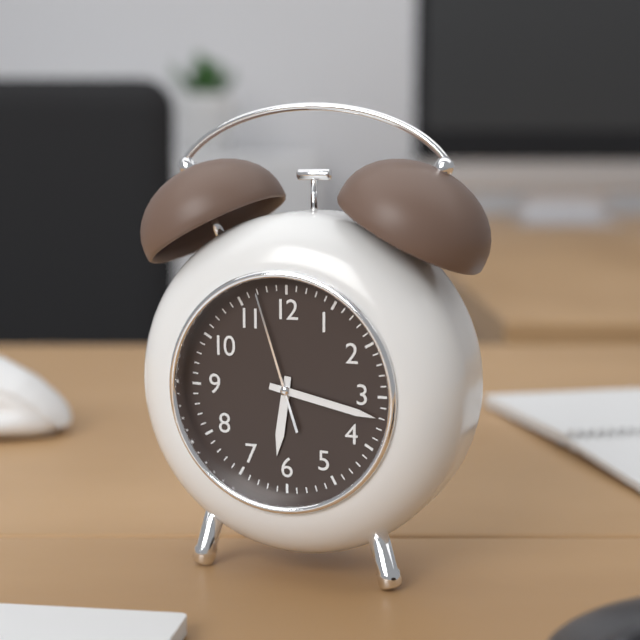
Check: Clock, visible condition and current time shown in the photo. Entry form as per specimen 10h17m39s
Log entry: 6h17m57s
